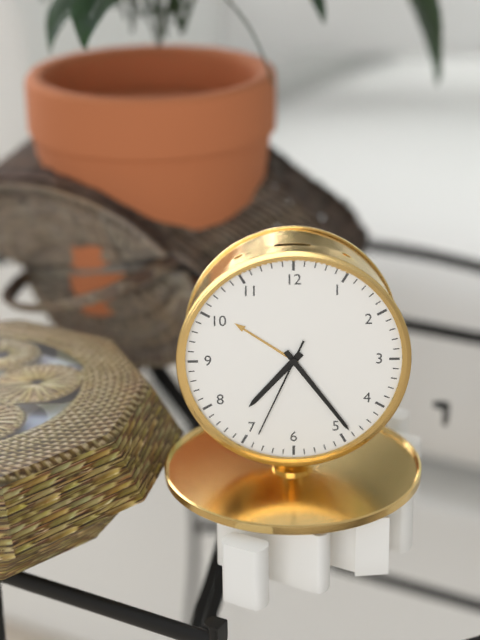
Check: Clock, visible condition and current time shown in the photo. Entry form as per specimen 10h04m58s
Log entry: 7h24m34s
